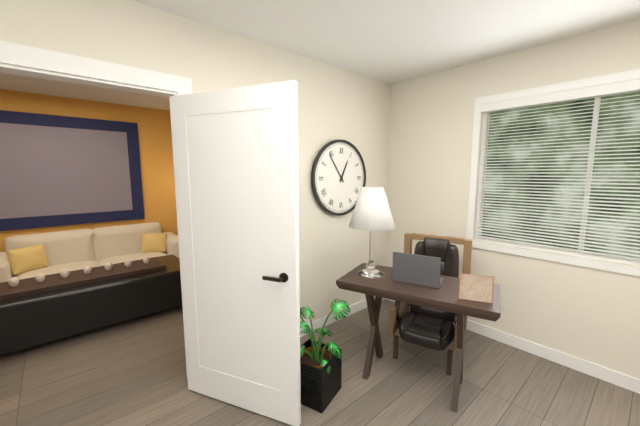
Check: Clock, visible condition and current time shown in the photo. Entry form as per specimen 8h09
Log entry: 12h54
